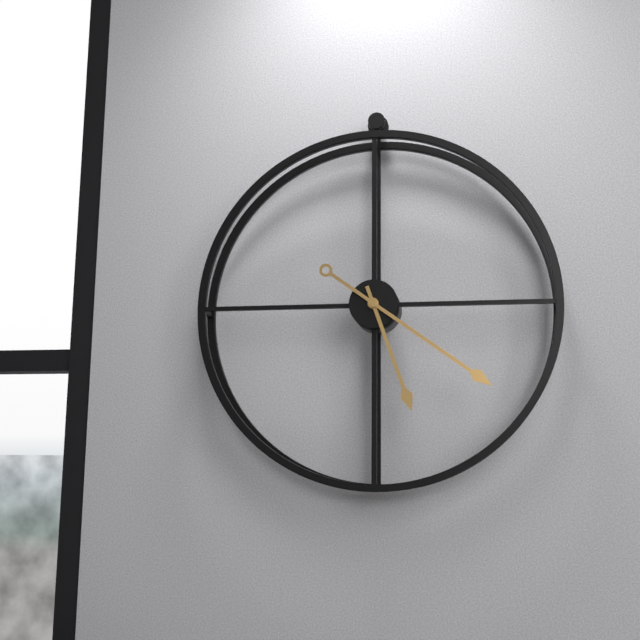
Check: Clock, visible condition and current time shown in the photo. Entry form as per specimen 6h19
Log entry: 5h21
